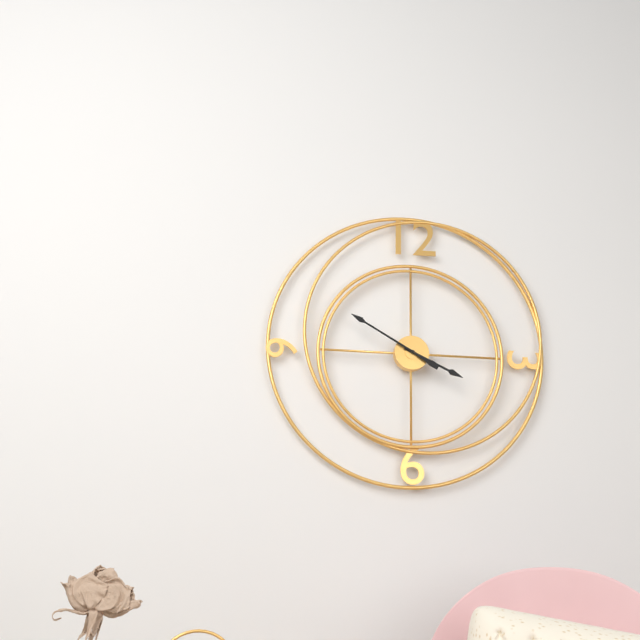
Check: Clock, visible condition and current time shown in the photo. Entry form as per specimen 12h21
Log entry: 3h50
